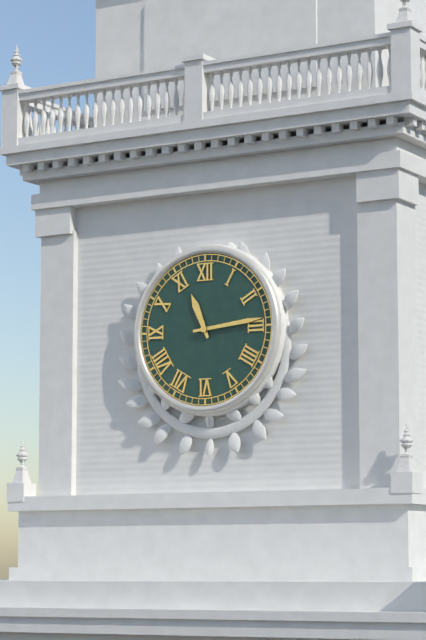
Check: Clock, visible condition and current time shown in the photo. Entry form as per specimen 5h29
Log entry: 11h14
